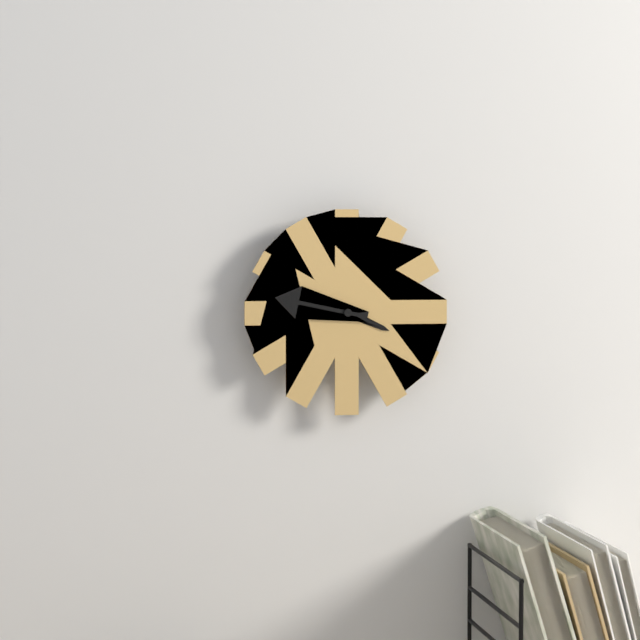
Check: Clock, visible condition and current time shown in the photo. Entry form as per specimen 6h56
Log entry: 3h47
